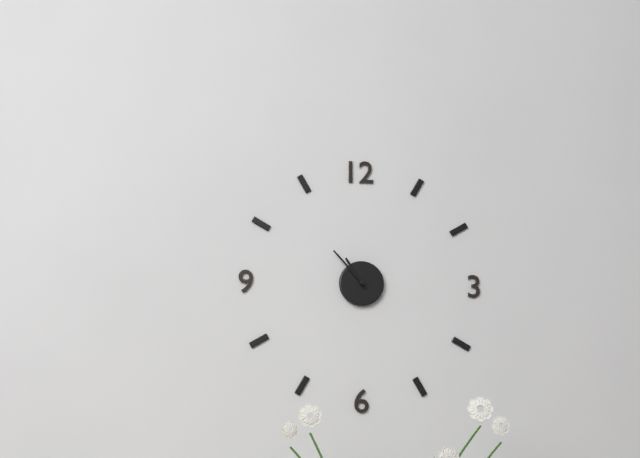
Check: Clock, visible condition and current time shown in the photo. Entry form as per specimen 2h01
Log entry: 10h53
